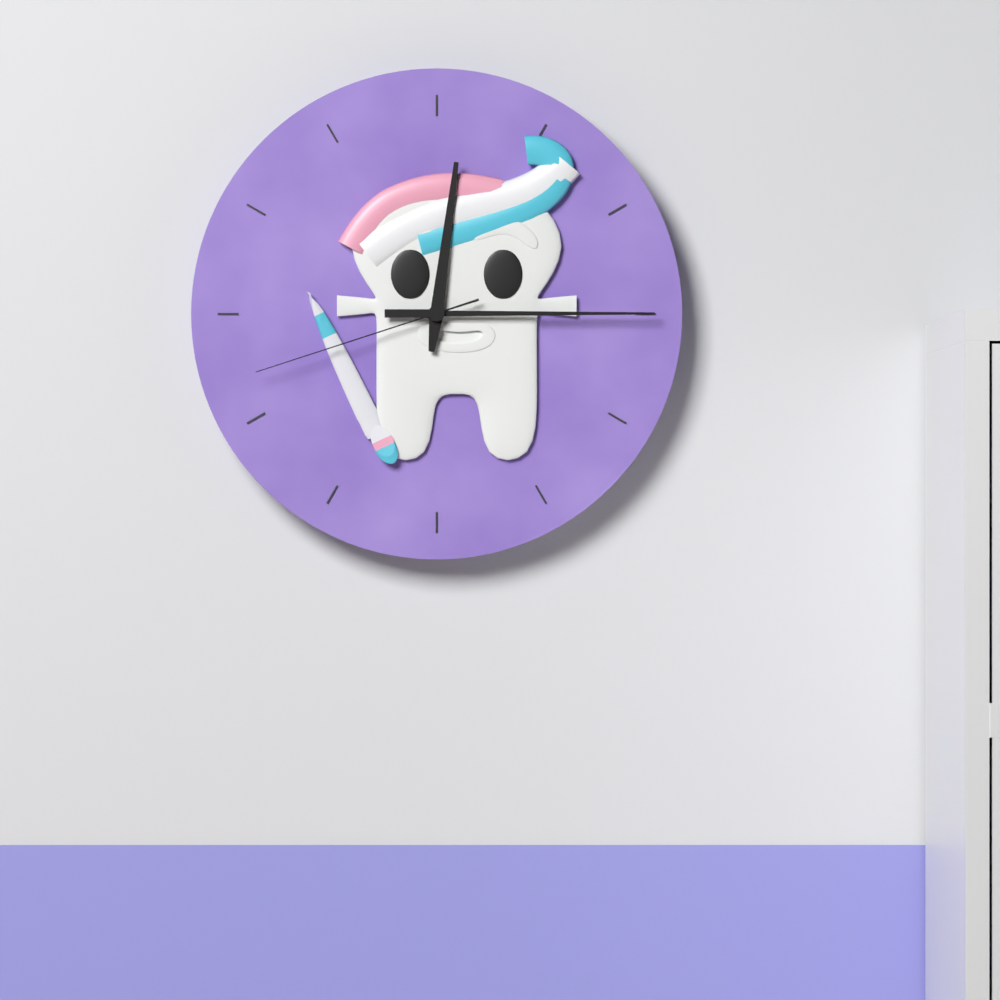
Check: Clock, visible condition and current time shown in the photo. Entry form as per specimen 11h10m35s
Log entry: 12h15m42s
